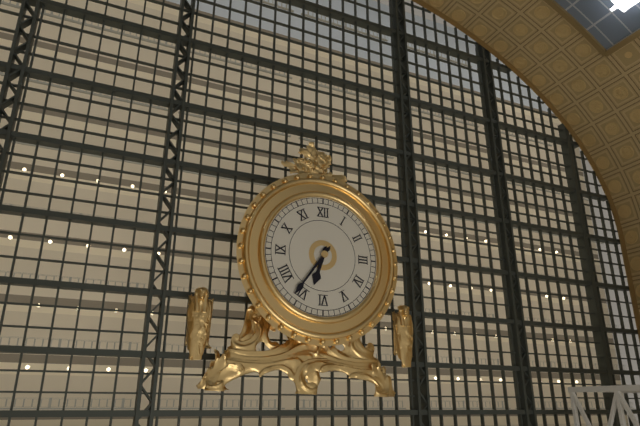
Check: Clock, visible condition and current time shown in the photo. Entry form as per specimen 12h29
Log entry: 6h36
